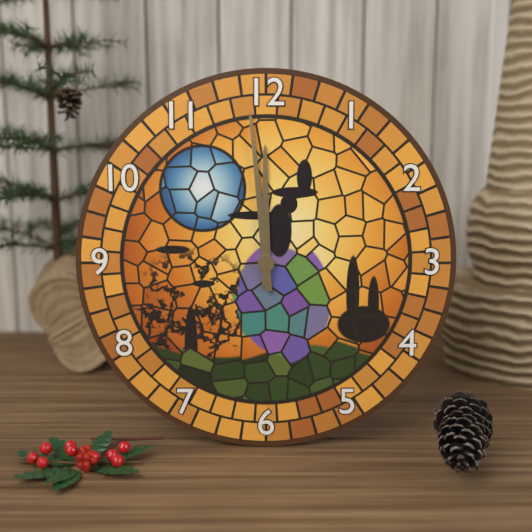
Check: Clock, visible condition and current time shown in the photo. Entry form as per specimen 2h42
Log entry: 11h59
